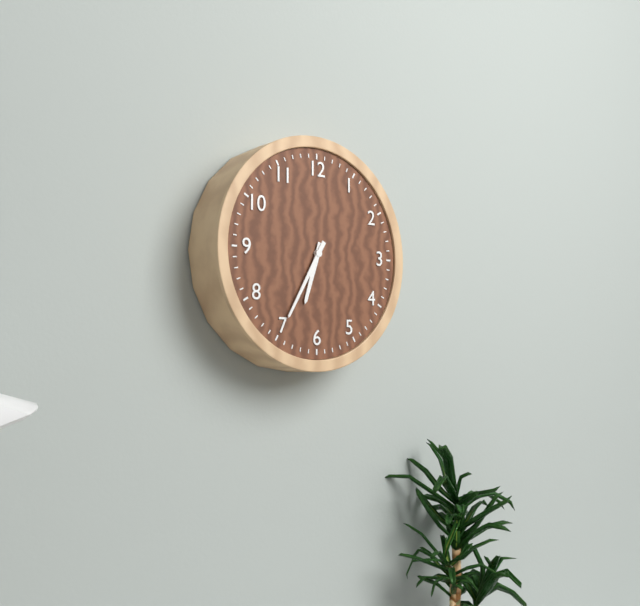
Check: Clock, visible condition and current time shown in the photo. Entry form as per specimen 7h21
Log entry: 6h35
